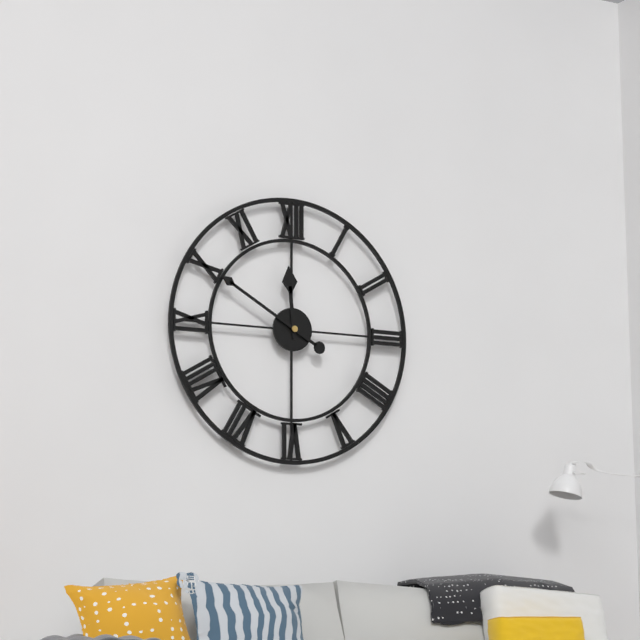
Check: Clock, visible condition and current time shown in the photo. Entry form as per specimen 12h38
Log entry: 11h50
